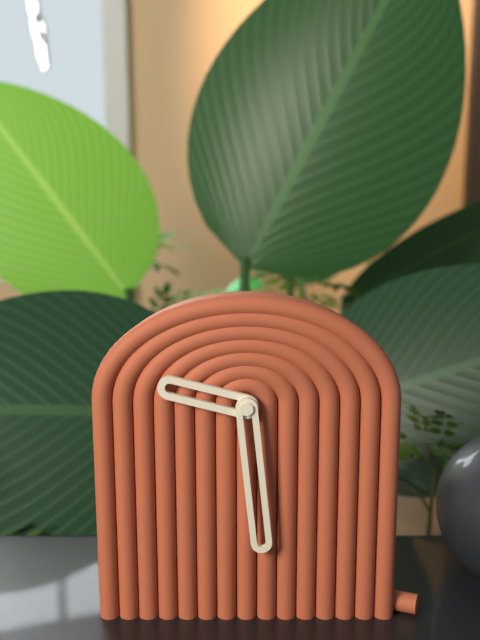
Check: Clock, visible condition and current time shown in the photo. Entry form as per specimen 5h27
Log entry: 9h29
